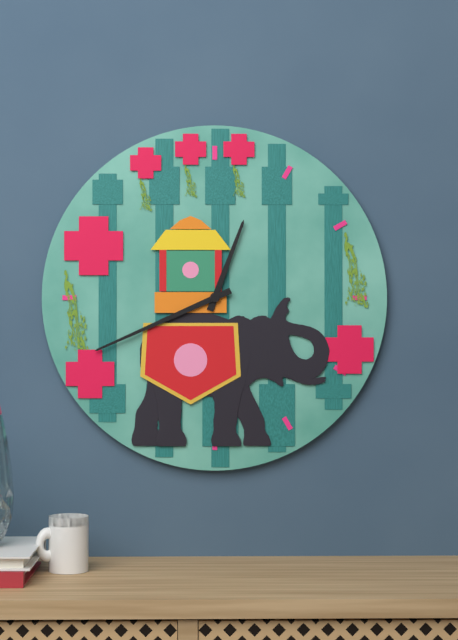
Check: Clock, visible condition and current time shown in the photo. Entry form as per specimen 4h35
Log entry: 12h41
